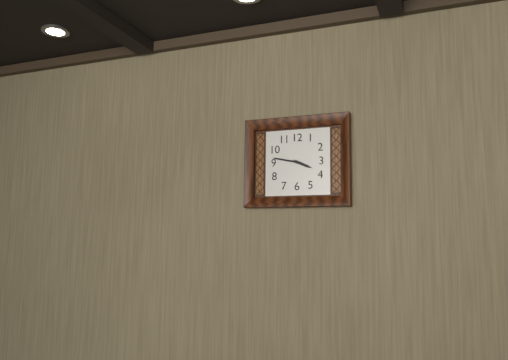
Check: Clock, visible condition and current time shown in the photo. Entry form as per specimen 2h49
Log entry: 3h47
